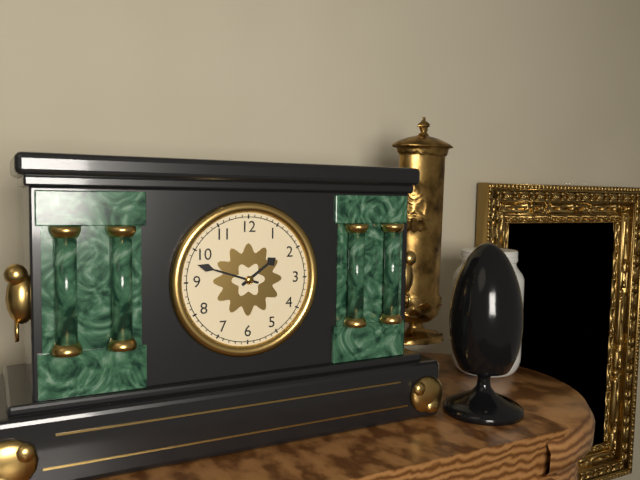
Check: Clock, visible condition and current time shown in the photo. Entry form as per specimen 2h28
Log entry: 1h48
